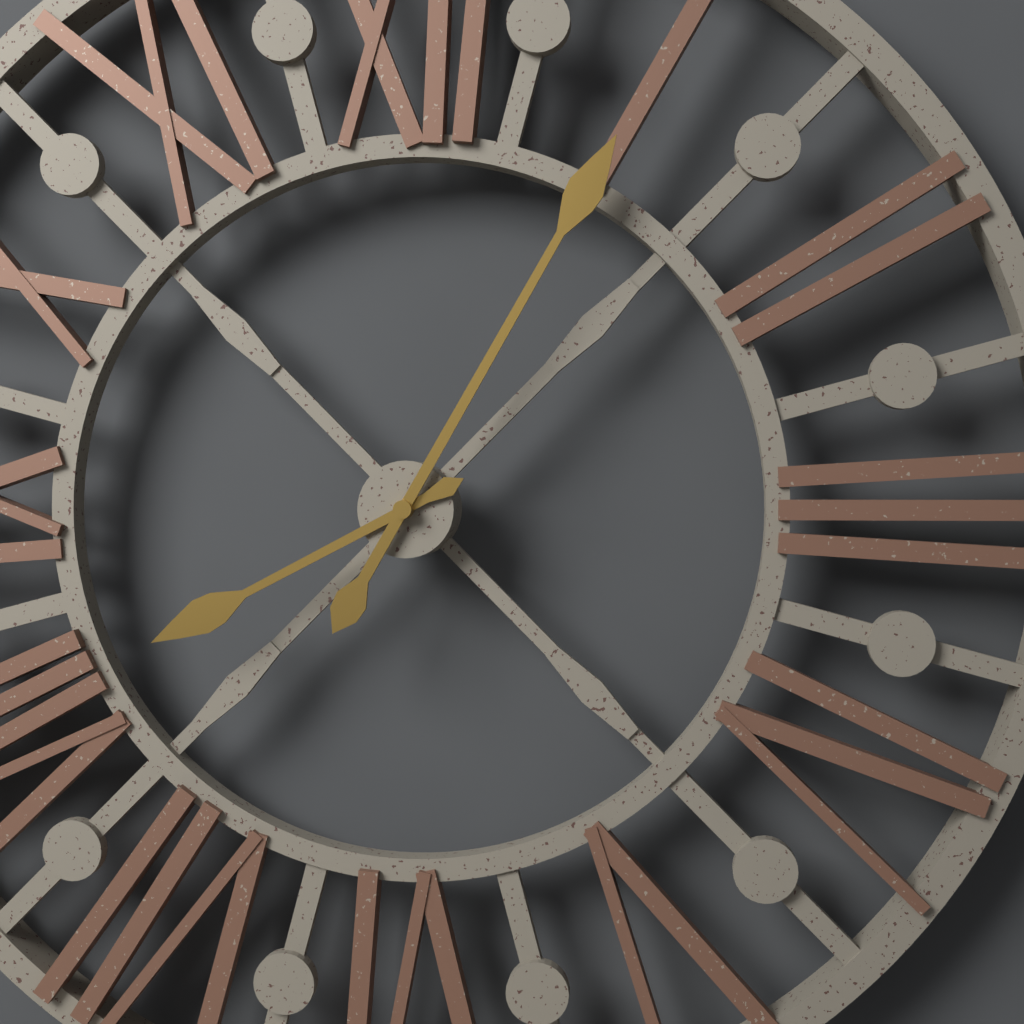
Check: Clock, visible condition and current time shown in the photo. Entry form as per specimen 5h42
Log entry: 8h05
